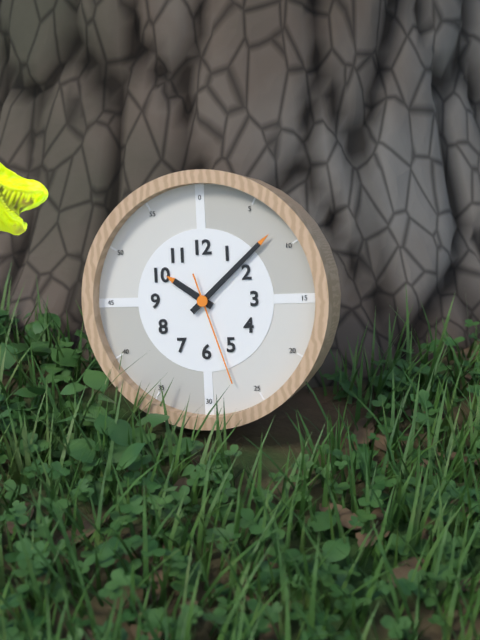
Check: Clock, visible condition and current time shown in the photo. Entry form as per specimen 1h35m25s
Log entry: 10h08m27s
